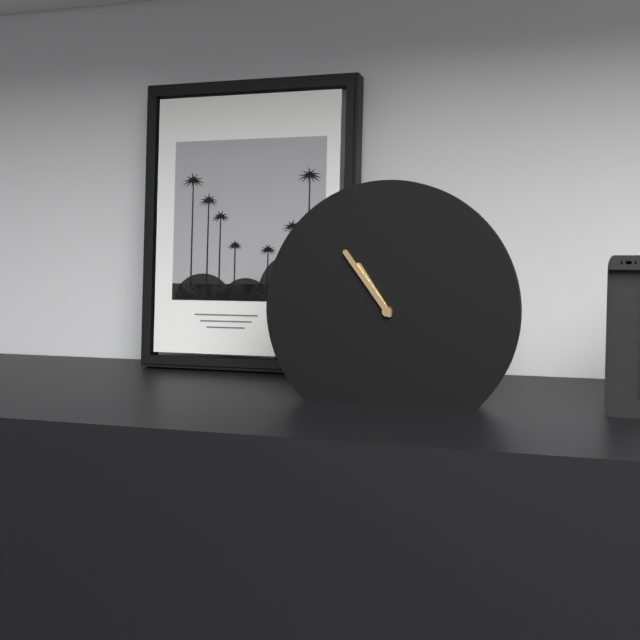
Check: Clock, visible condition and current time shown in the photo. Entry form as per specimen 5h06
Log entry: 10h54
